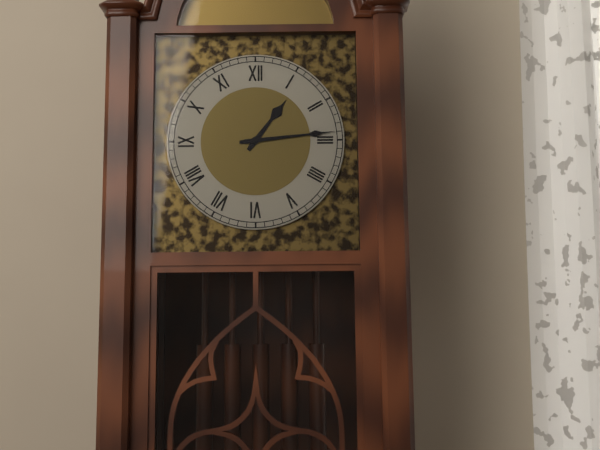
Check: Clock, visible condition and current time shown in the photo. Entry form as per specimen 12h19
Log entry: 1h14
